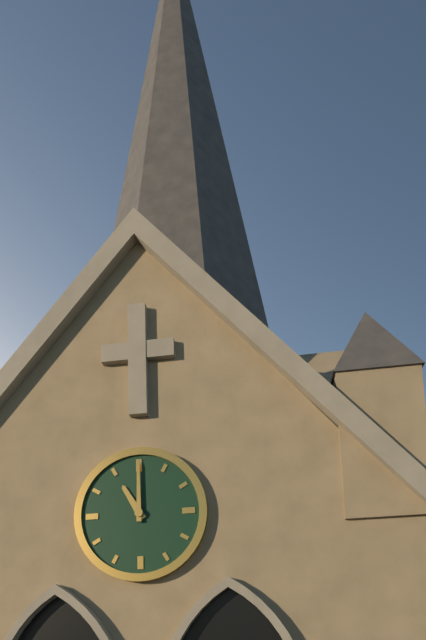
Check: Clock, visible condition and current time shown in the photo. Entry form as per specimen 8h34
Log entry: 11h00
